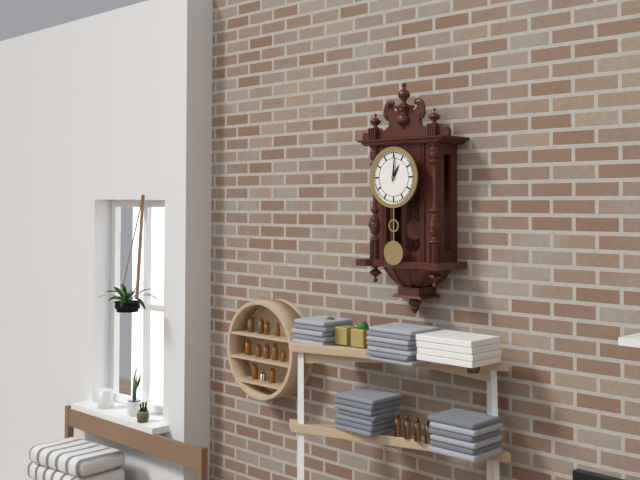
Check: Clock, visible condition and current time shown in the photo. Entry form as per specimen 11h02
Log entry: 1h01
